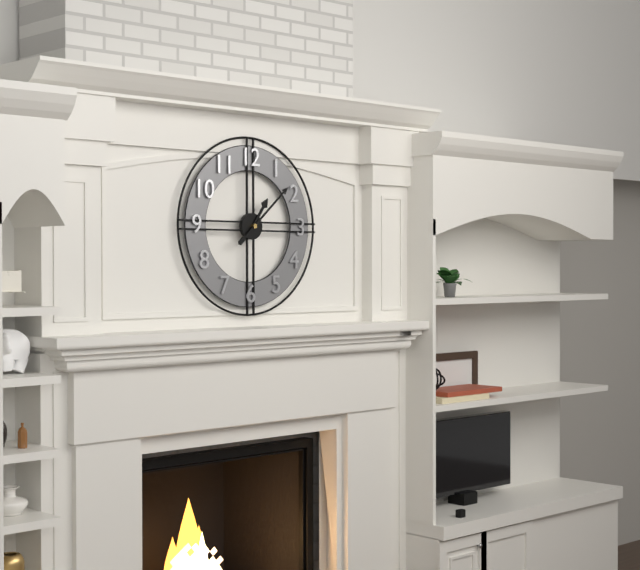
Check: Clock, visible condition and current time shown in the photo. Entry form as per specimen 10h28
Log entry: 1h08
